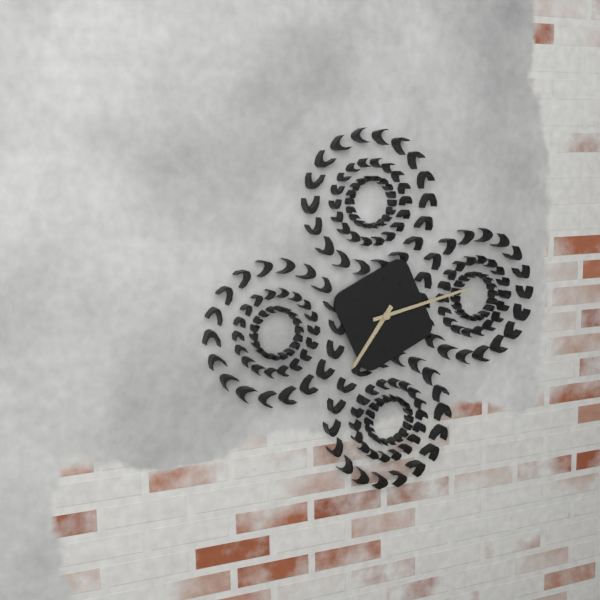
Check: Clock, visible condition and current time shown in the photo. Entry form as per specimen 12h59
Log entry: 7h13
